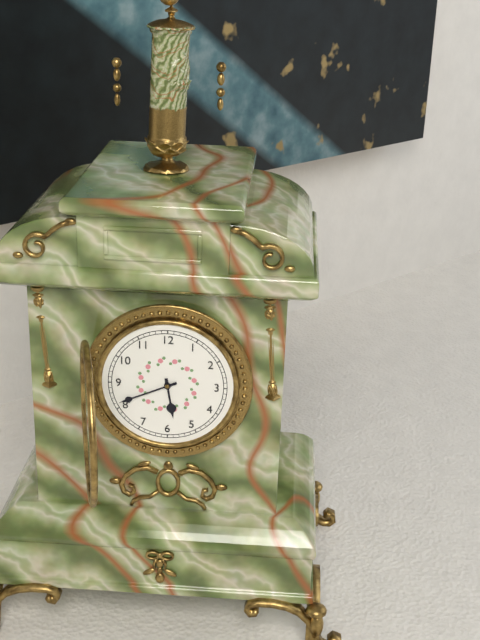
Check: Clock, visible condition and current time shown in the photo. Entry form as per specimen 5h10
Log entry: 5h41
